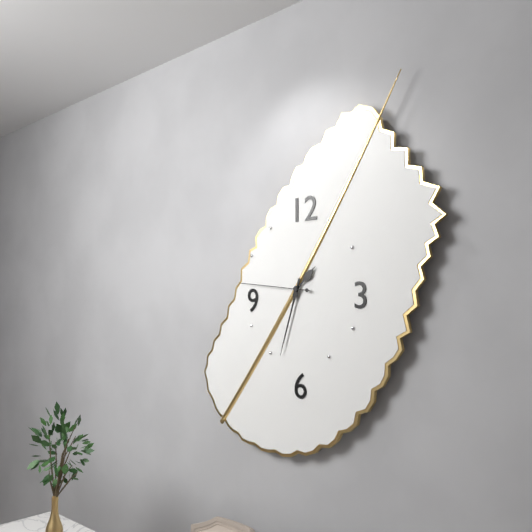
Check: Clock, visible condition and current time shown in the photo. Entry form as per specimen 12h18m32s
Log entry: 1h33m46s
